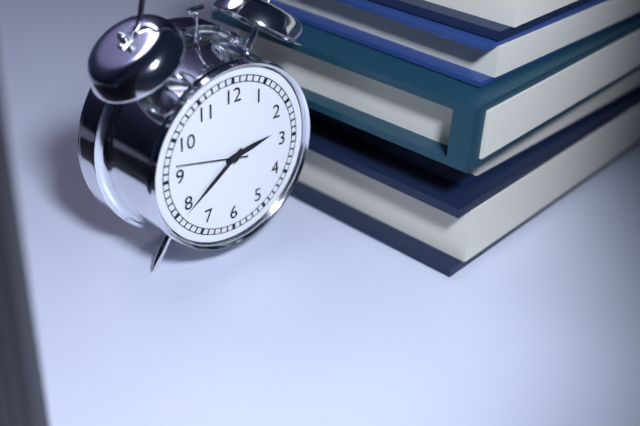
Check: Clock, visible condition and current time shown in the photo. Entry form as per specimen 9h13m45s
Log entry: 2h39m47s
